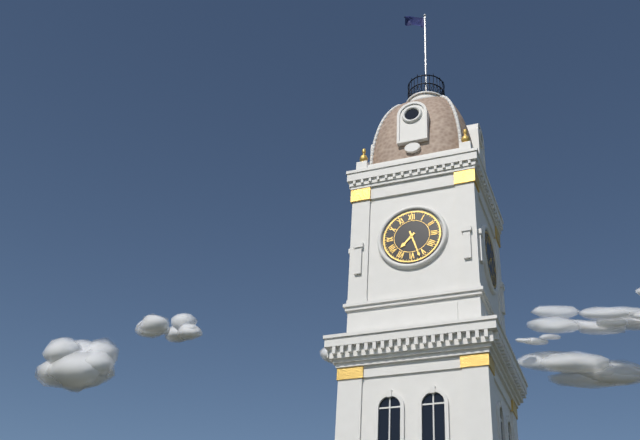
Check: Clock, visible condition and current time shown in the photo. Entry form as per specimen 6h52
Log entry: 7h27
